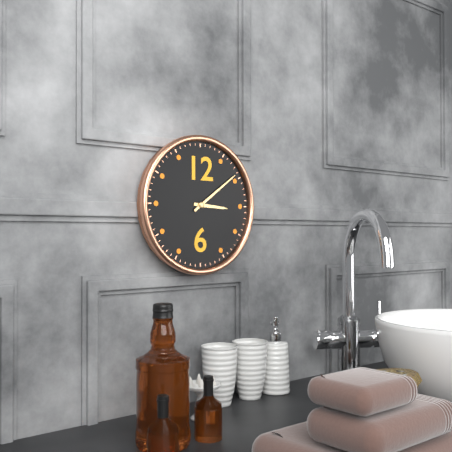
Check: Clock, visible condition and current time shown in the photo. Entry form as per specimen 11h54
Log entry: 3h09
